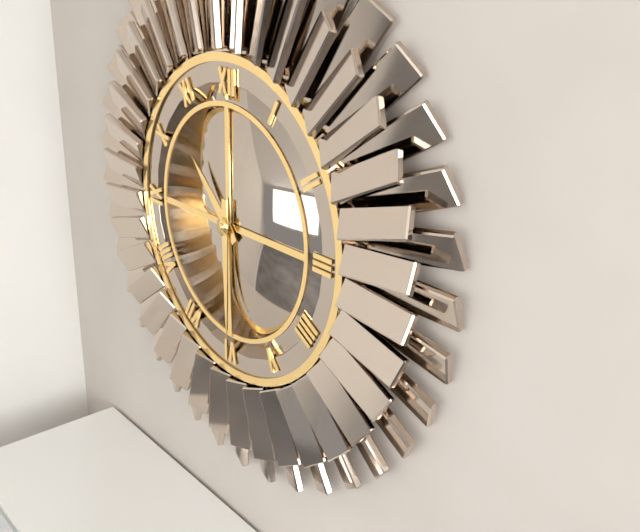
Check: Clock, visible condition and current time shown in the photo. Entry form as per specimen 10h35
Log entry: 10h30
